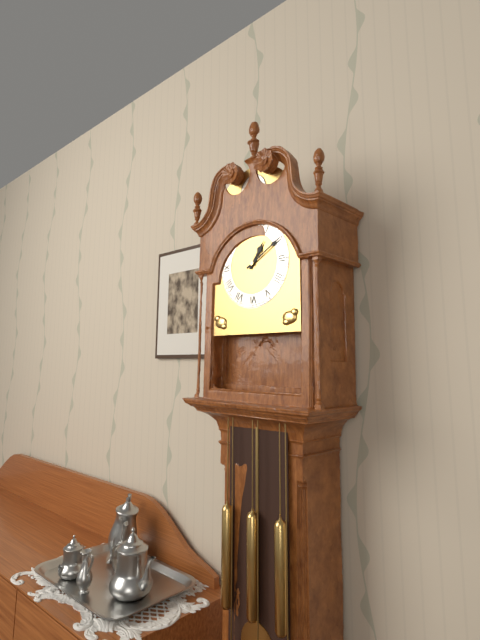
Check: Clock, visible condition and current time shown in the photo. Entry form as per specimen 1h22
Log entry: 1h10
